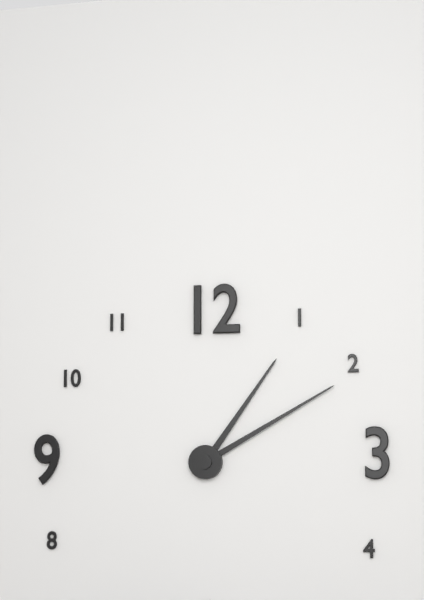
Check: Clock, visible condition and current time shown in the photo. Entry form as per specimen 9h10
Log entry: 1h10
